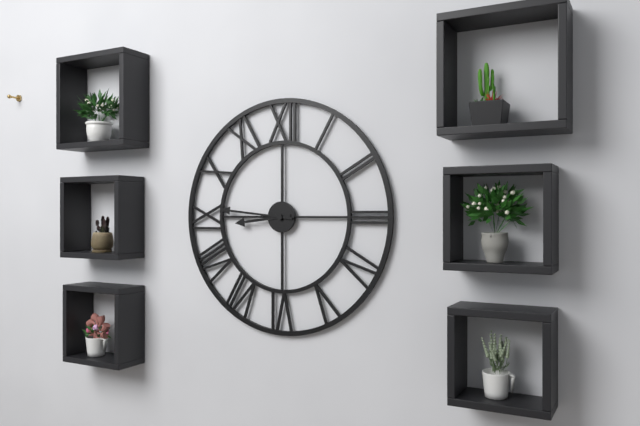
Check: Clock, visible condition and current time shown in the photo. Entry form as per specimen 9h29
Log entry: 8h46
